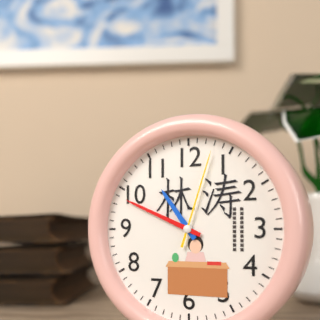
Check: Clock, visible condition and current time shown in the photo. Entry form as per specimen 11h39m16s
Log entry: 10h49m03s
